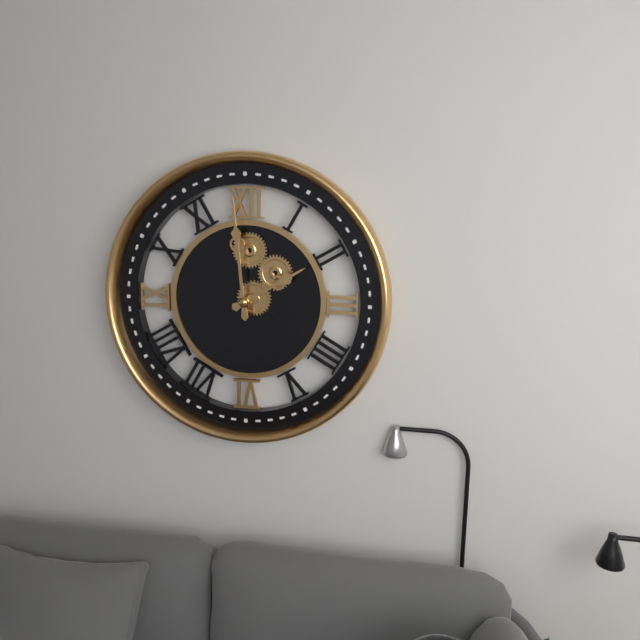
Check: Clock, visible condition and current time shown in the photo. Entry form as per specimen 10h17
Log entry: 1h59
